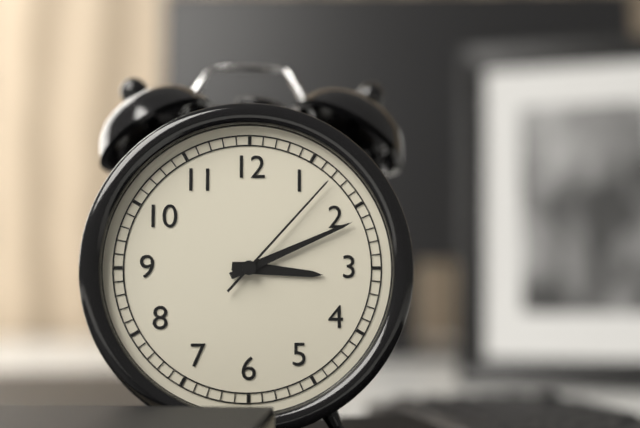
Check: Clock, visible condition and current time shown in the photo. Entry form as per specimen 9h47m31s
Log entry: 3h11m07s
